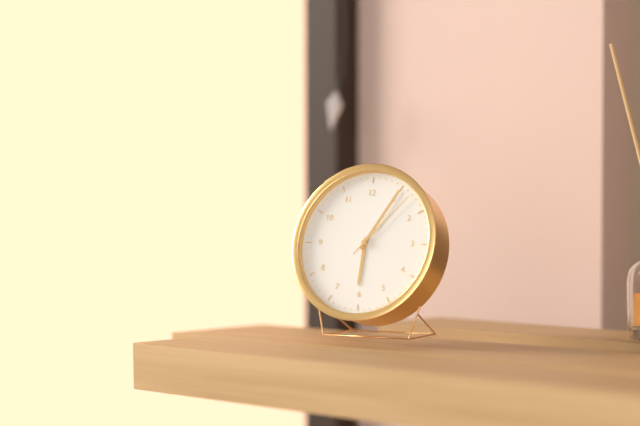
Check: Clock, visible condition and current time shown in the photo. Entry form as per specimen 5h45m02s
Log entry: 6h05m07s
